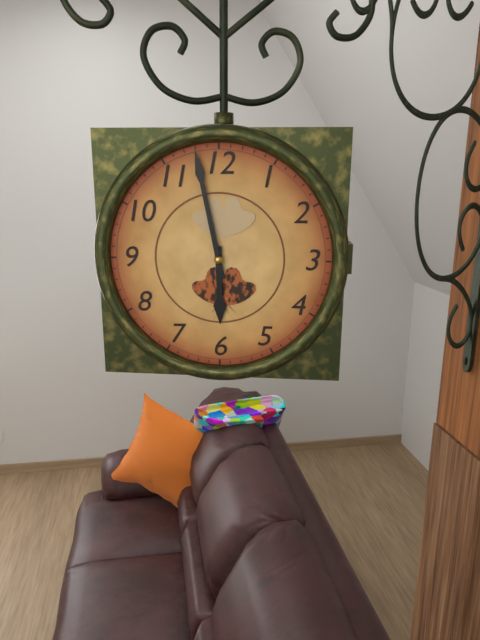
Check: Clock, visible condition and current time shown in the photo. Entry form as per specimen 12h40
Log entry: 5h58
